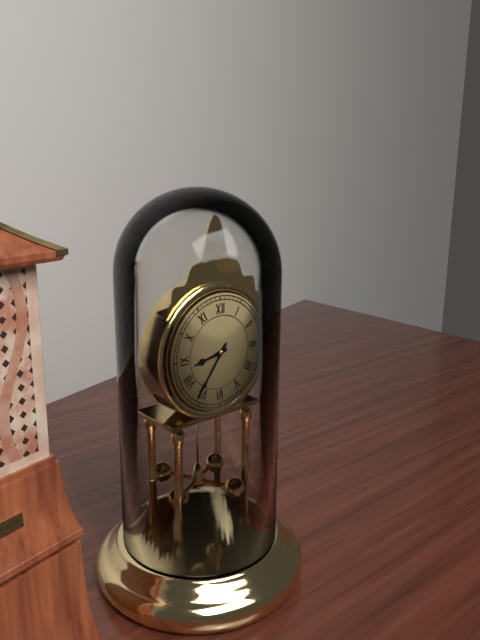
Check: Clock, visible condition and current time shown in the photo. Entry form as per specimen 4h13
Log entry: 8h36
